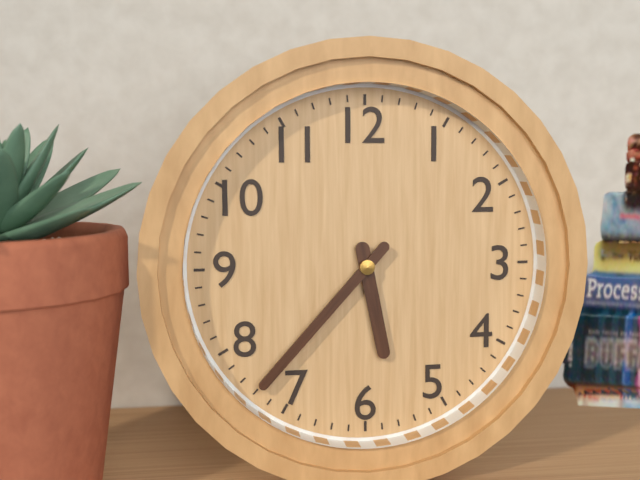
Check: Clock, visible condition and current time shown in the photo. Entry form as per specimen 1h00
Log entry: 5h37
